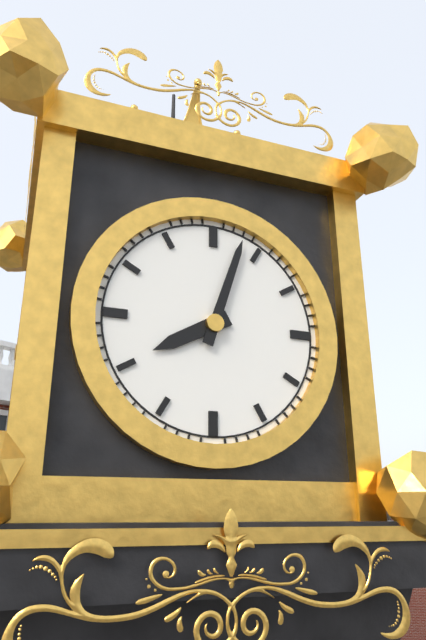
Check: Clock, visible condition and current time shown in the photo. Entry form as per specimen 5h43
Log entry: 8h03
